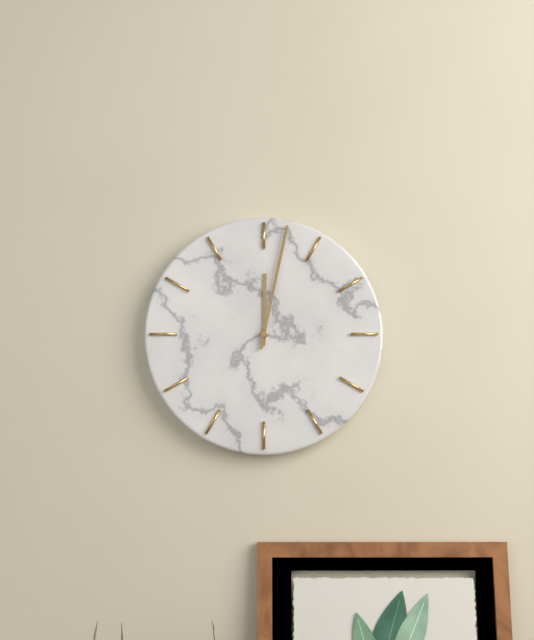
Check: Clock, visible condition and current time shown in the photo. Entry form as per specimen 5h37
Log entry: 12h02
